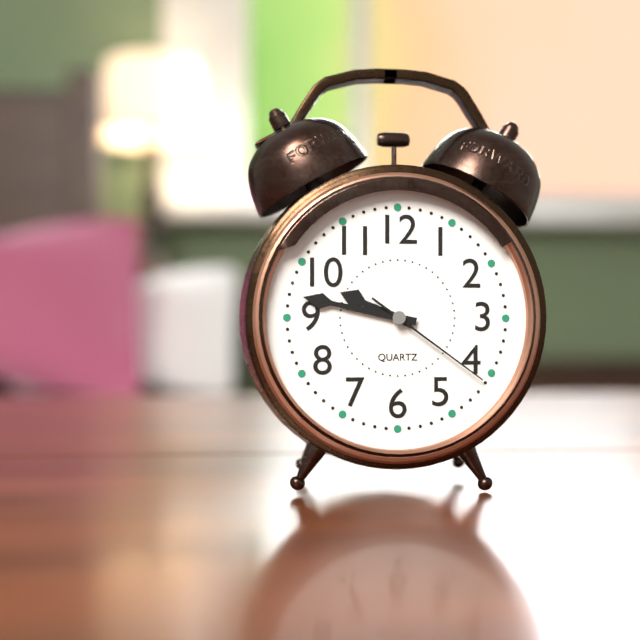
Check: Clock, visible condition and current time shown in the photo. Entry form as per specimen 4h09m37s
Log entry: 9h47m21s
